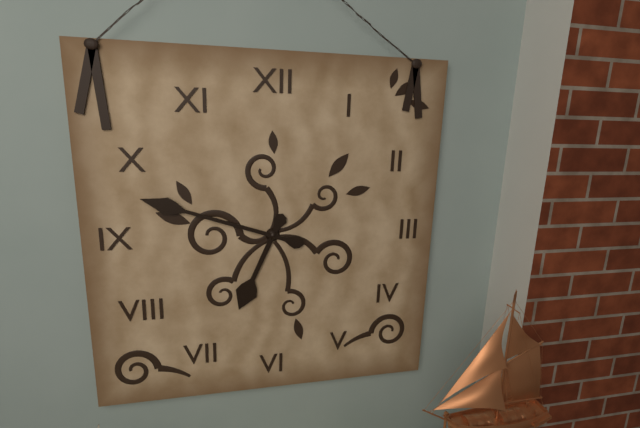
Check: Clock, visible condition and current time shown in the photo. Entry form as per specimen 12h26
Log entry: 6h48
